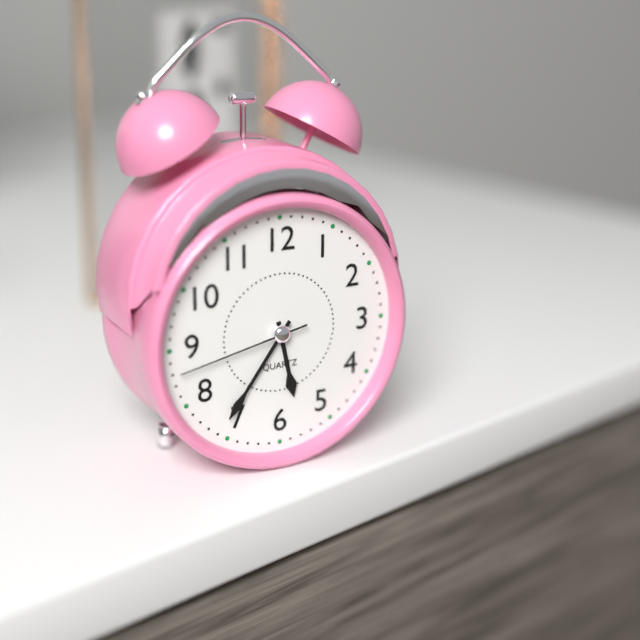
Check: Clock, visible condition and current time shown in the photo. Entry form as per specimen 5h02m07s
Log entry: 5h36m43s
